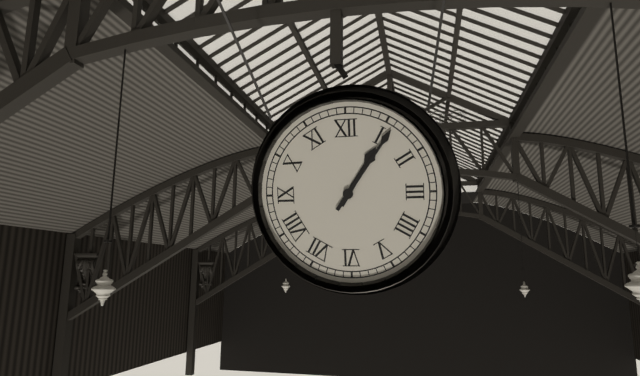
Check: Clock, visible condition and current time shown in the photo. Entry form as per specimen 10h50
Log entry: 1h06
